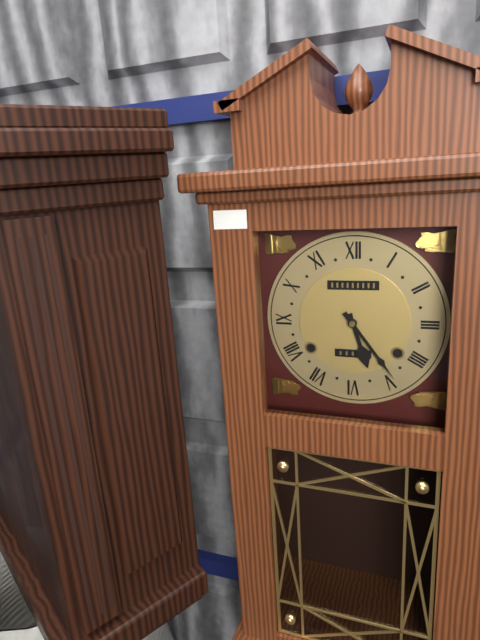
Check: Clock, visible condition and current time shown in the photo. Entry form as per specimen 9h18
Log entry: 5h24
